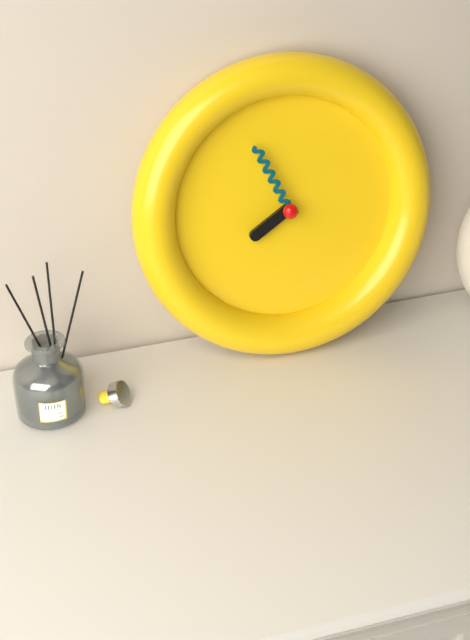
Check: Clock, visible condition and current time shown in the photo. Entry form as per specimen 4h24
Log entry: 7h56
